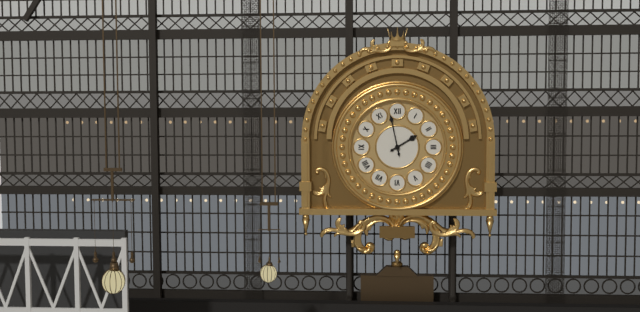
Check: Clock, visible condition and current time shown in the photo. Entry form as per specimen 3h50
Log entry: 1h58
